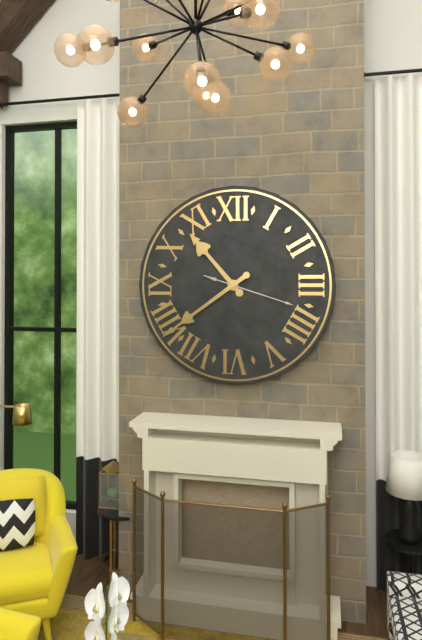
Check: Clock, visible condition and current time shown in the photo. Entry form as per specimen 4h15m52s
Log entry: 10h39m18s
